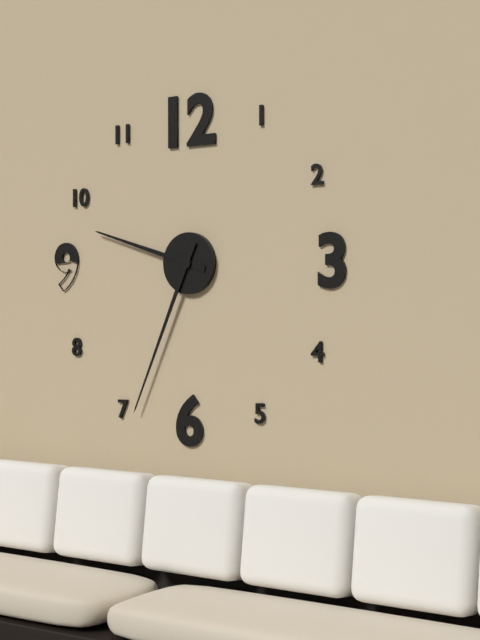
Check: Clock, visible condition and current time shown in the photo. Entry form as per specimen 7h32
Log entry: 9h34
